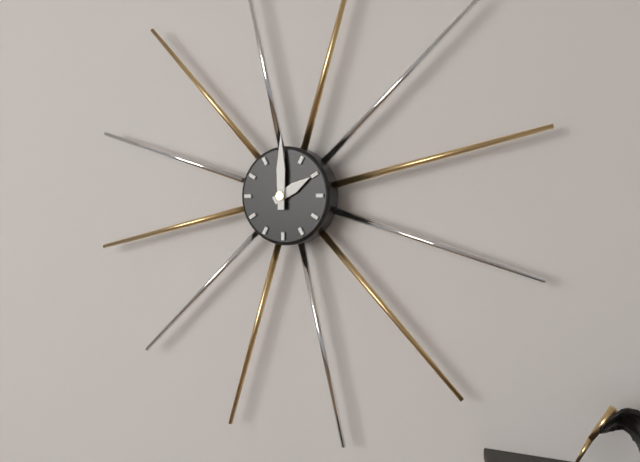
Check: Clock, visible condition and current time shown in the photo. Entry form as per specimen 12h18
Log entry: 2h00
